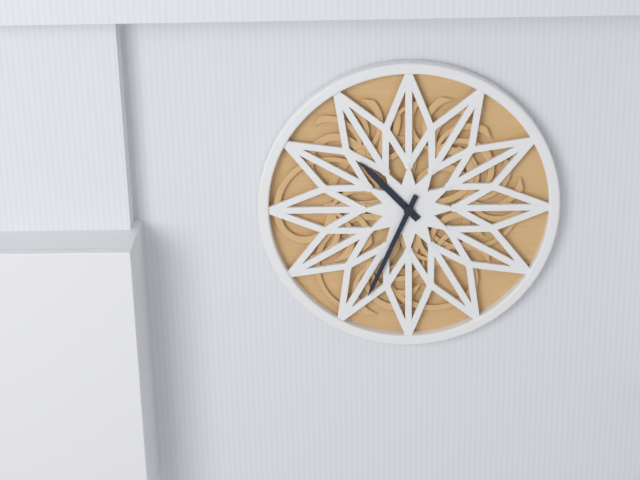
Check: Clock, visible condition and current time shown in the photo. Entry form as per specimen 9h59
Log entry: 10h34
